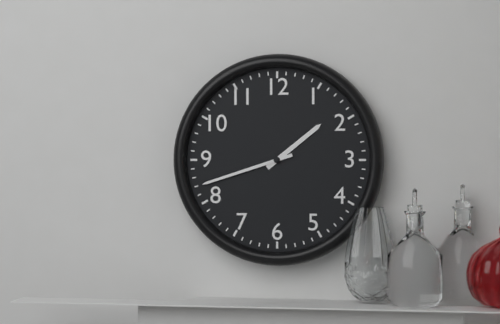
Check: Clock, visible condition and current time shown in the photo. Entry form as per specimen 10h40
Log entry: 1h42
